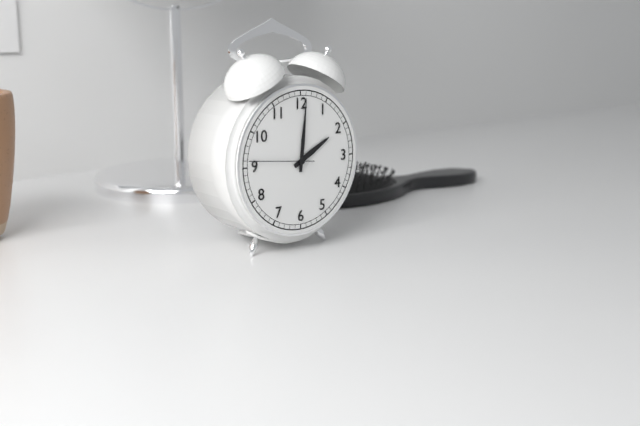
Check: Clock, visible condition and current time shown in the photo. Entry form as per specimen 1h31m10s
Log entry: 2h01m46s
